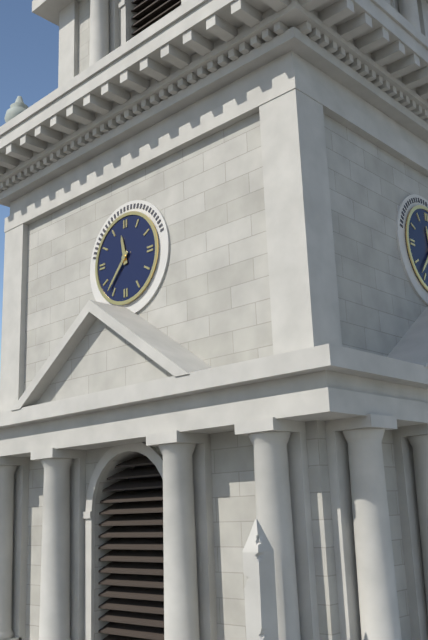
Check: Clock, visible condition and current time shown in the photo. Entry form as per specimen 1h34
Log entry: 11h37
